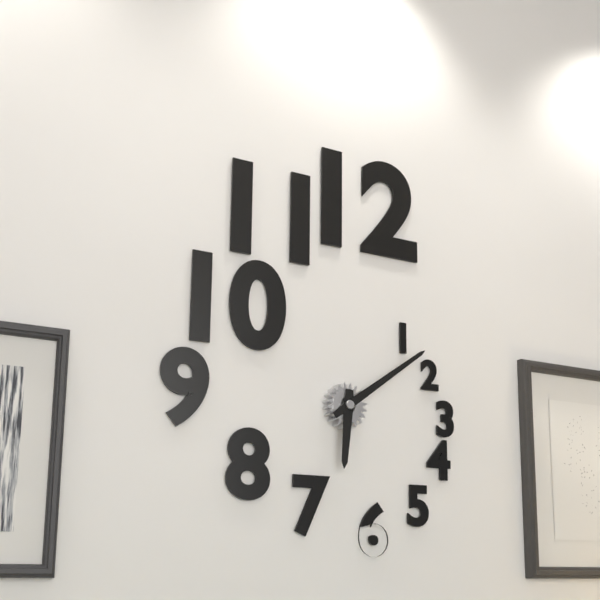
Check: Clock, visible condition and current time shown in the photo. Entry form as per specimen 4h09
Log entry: 6h09
